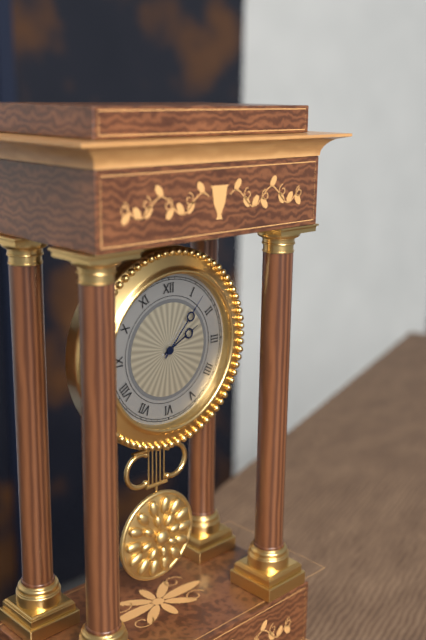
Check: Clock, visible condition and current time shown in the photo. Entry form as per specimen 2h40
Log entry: 2h07
